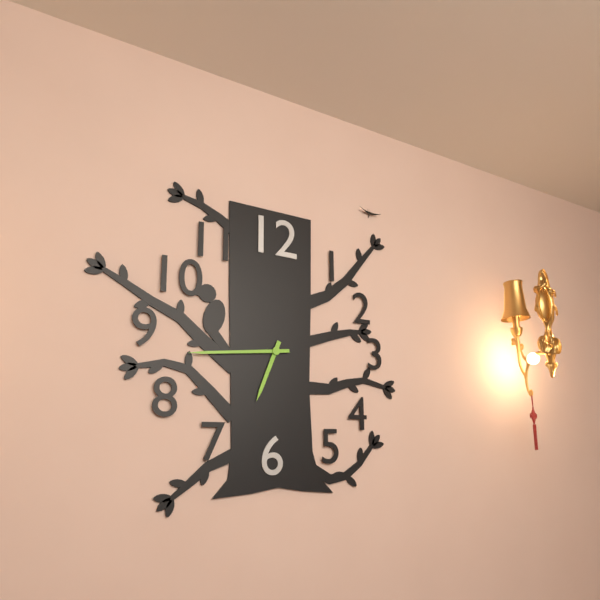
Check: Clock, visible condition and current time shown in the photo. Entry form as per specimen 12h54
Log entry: 6h44
